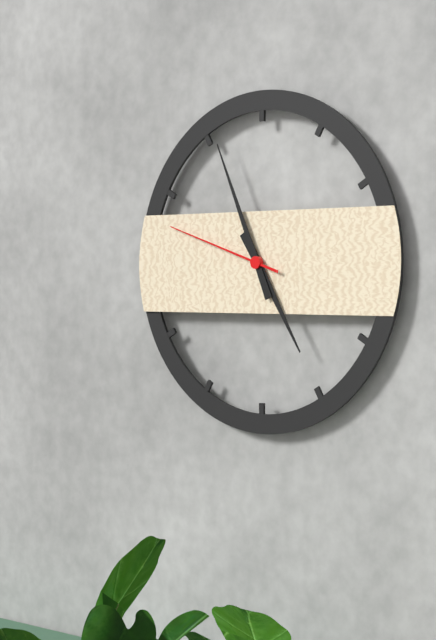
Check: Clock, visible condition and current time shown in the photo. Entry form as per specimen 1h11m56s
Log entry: 4h56m48s
